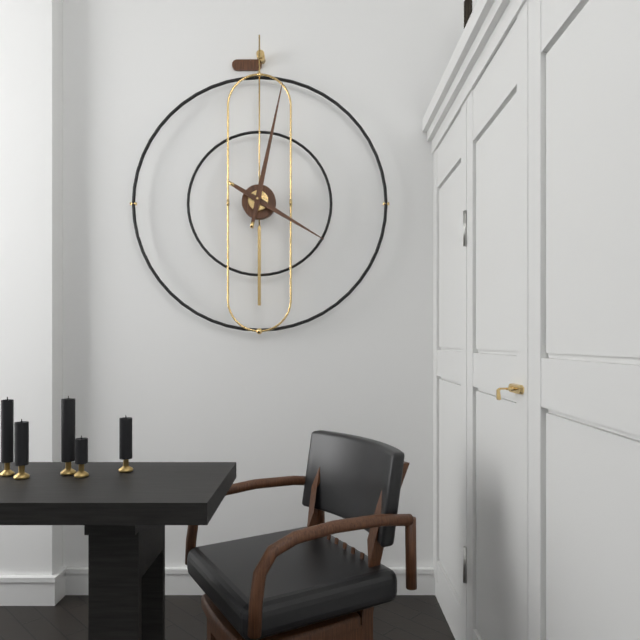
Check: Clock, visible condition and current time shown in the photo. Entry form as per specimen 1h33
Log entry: 4h02
